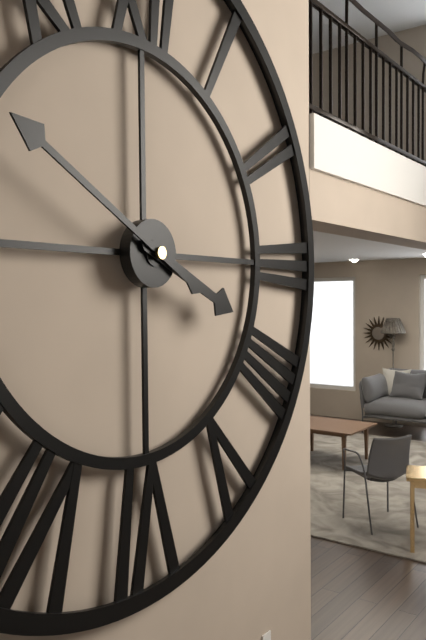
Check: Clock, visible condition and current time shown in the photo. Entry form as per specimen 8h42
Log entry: 3h50
